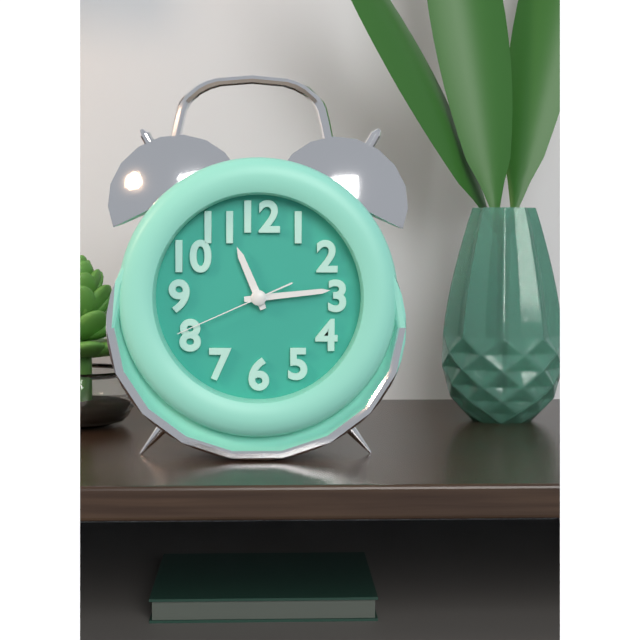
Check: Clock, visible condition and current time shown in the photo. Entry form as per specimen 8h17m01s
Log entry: 11h14m41s
